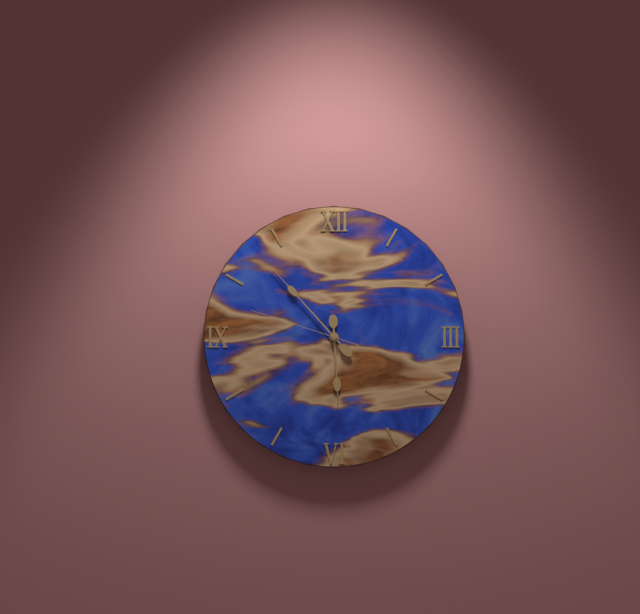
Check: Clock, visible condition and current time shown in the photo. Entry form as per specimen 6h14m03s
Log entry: 5h53m48s
